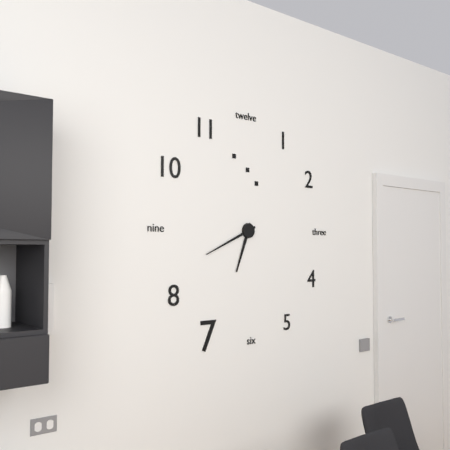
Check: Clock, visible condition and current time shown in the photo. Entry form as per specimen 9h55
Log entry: 6h41
